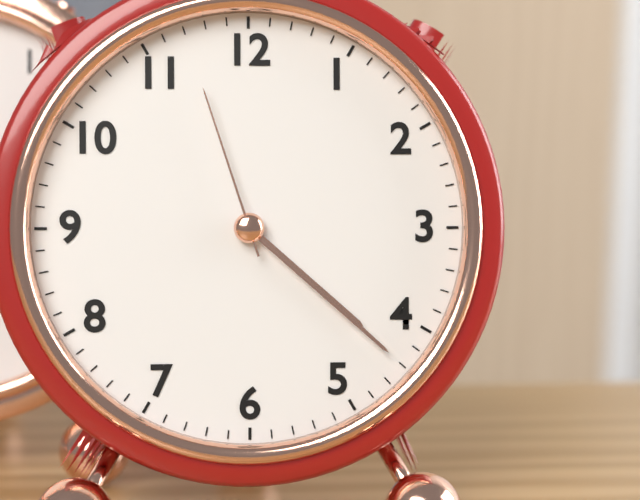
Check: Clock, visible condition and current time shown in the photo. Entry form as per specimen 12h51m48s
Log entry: 4h22m57s
